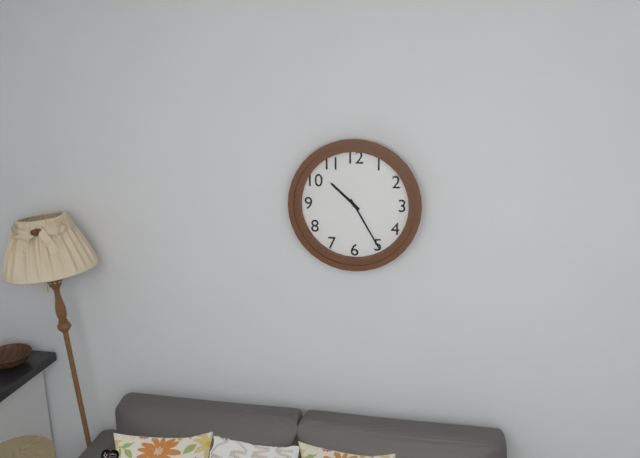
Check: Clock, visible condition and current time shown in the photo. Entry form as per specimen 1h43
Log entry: 10h25
